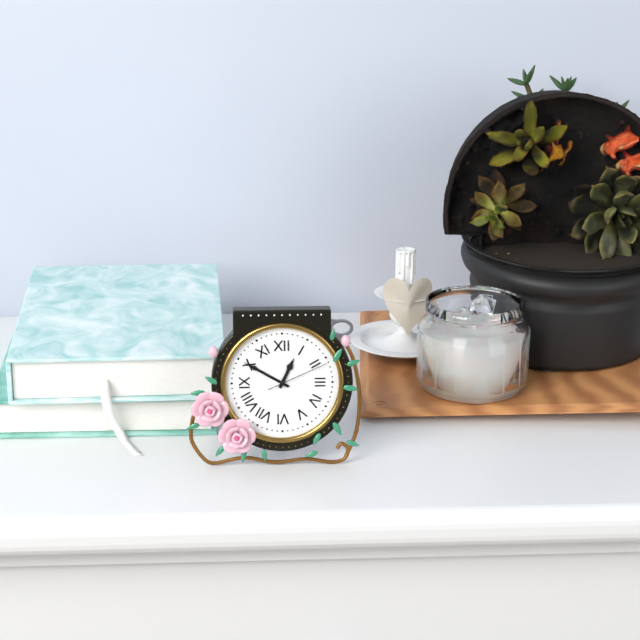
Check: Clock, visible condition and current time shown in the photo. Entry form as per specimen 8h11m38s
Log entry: 12h50m11s
